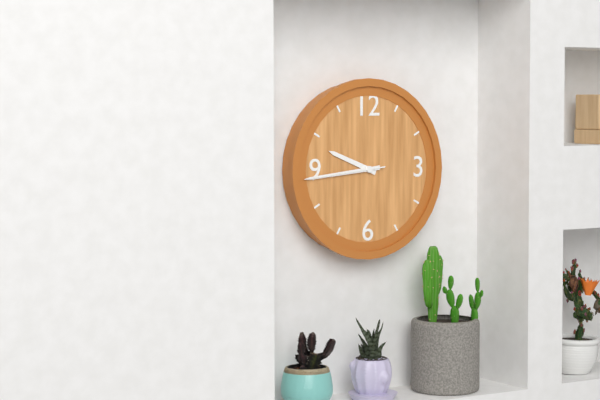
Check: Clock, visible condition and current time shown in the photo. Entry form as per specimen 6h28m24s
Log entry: 9h44m44s
